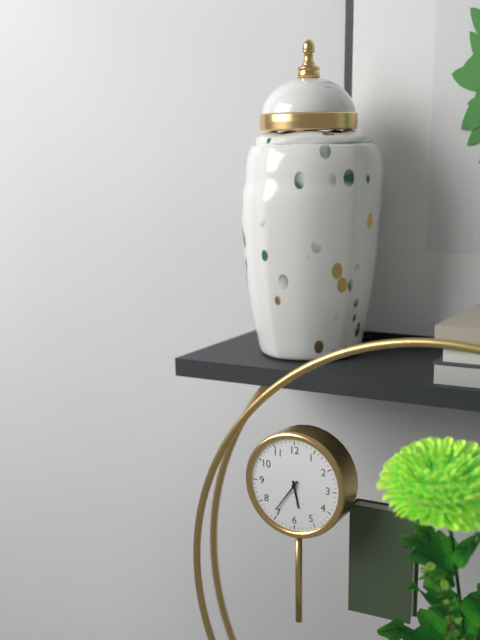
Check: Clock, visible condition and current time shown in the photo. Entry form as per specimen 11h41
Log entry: 5h36
